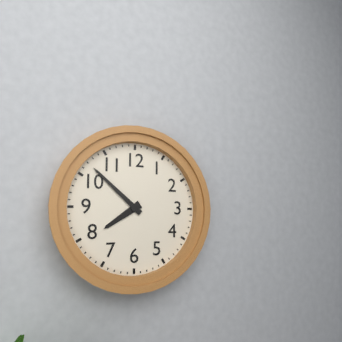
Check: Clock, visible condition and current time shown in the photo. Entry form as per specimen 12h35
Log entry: 7h52
